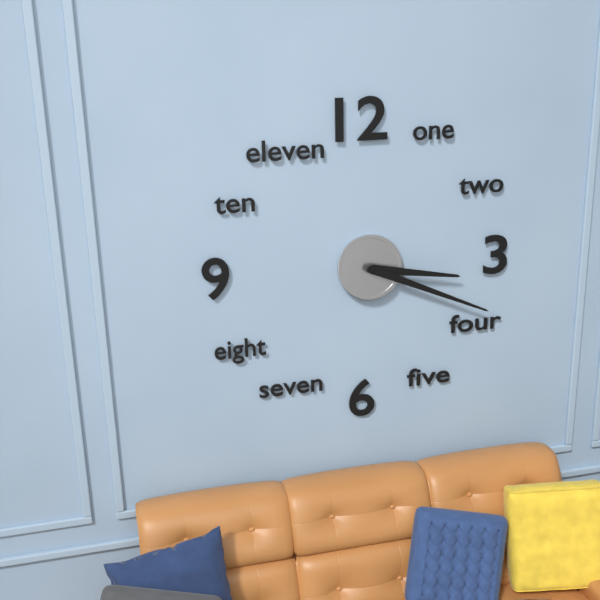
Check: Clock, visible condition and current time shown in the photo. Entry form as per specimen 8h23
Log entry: 3h19
